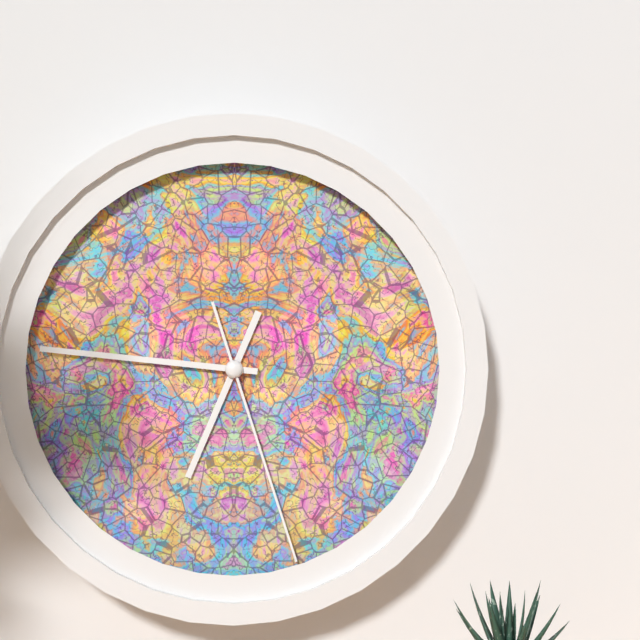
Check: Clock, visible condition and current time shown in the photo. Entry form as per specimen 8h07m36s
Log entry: 6h46m27s
